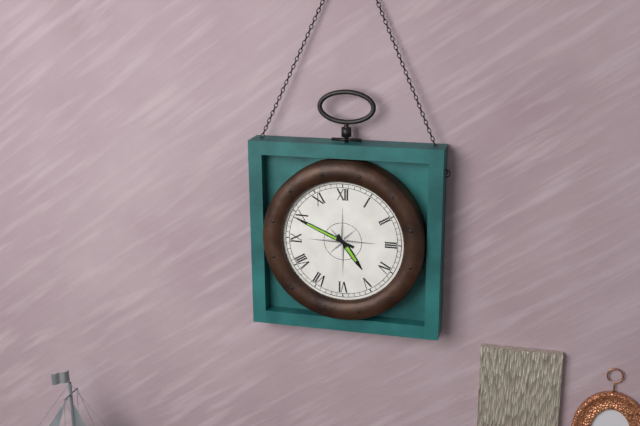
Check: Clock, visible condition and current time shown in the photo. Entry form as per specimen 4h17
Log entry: 4h49
